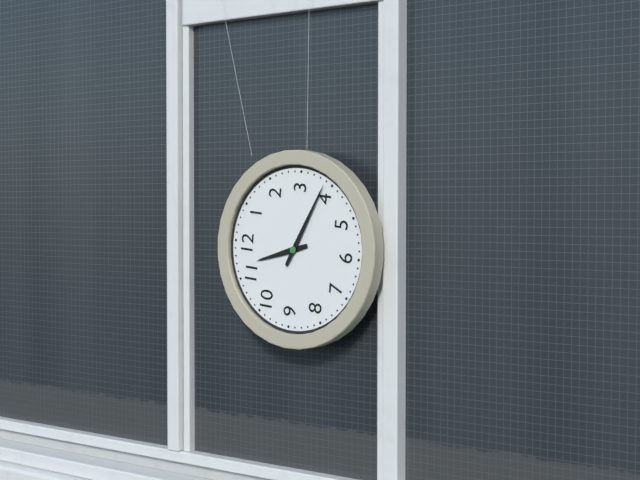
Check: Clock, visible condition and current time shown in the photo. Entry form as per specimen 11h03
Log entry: 11h19
